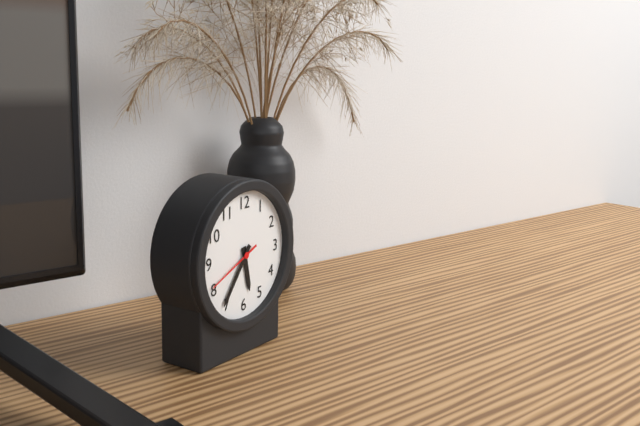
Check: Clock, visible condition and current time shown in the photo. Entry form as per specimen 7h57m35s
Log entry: 5h36m41s
